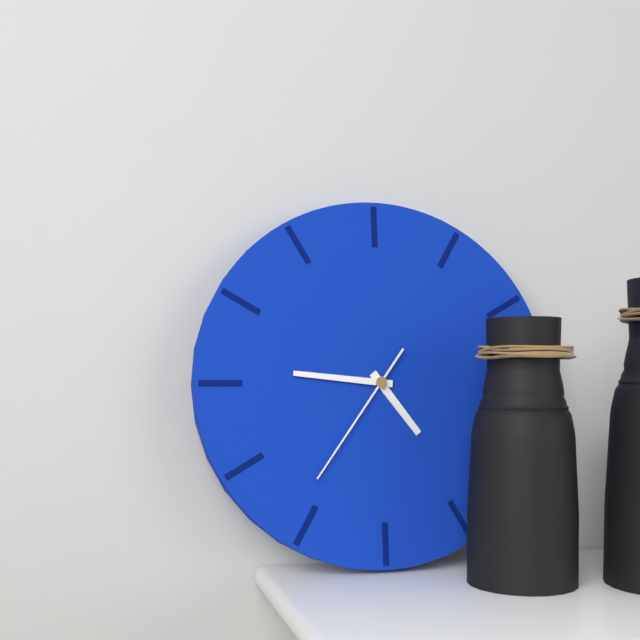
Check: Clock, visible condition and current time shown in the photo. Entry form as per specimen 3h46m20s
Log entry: 4h46m36s
